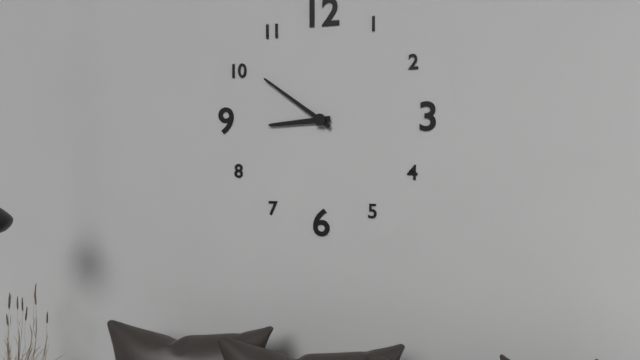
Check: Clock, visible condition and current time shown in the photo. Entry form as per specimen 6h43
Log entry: 8h51
